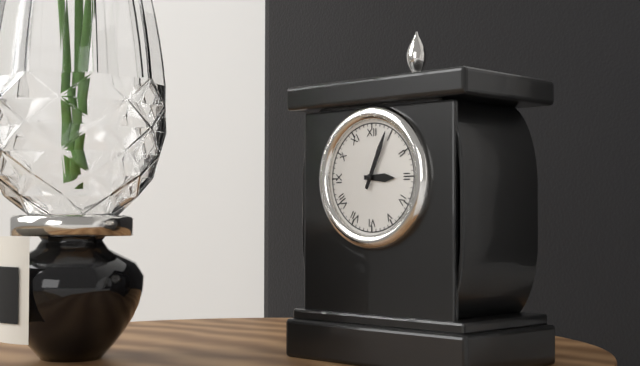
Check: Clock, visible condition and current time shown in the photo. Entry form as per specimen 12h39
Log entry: 3h04
